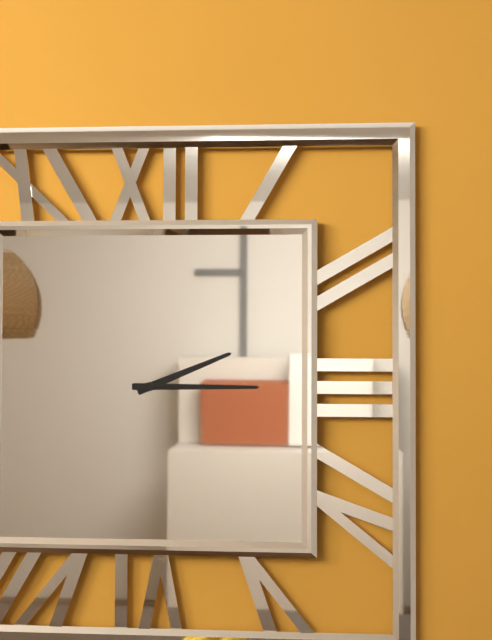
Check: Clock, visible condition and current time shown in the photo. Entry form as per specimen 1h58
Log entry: 2h15
